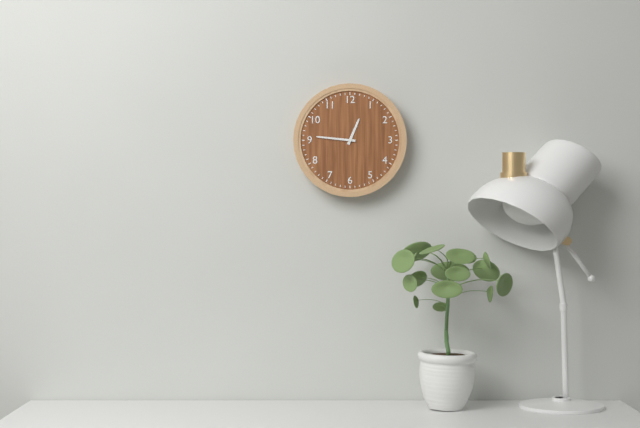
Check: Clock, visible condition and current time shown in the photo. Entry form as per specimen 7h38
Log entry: 12h46
